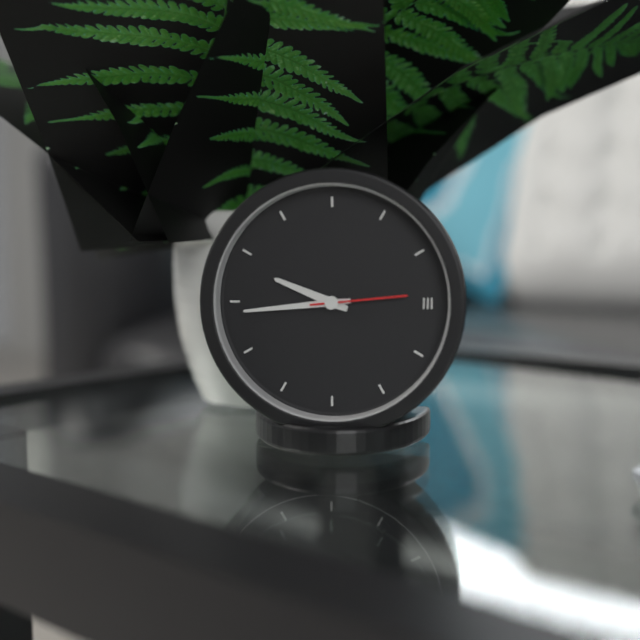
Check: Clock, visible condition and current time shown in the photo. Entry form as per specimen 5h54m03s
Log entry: 9h44m14s
